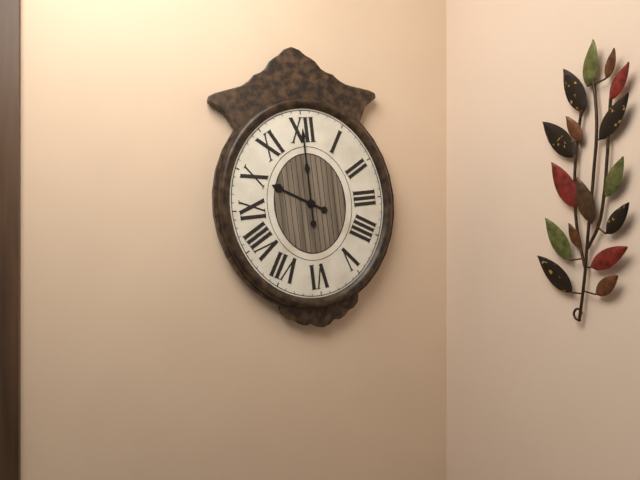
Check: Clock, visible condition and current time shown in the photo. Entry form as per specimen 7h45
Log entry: 10h00
